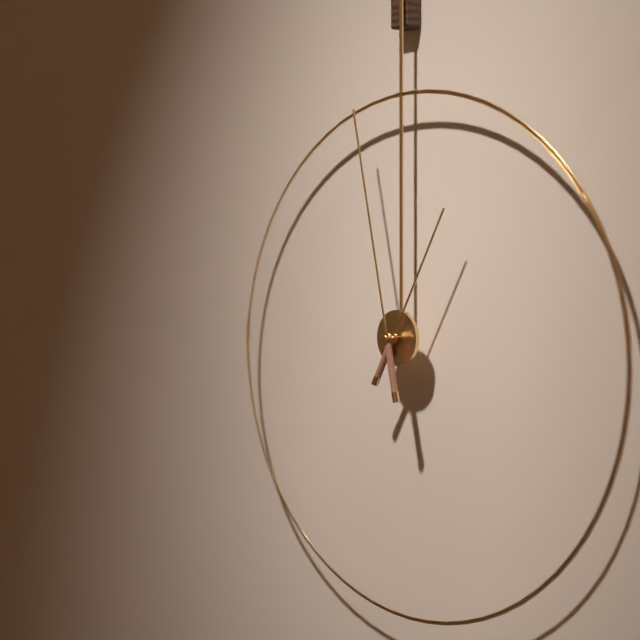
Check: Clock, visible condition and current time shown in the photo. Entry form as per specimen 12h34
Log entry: 12h58
